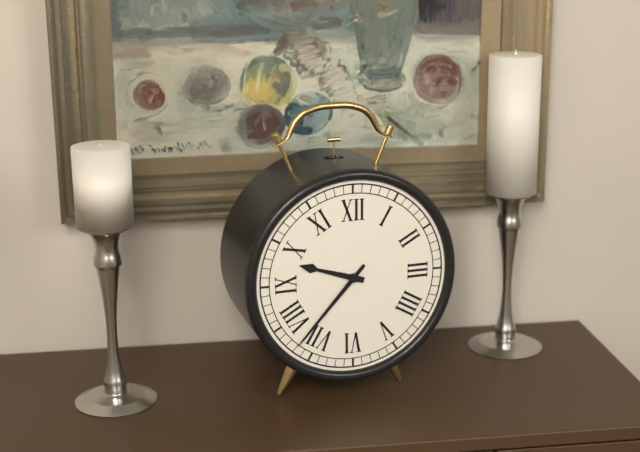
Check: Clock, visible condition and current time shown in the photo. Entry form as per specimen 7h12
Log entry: 9h37
